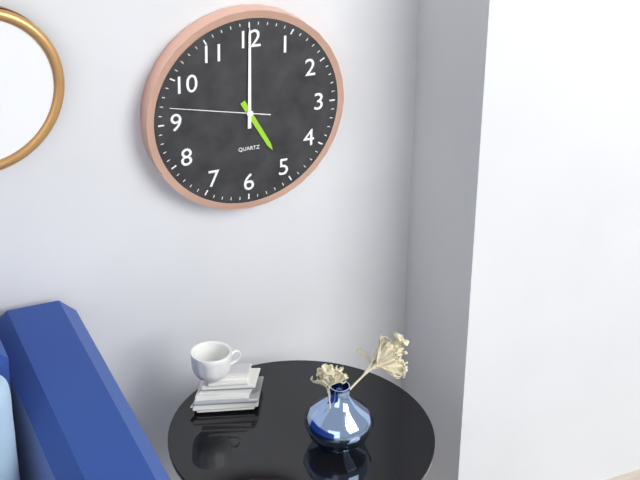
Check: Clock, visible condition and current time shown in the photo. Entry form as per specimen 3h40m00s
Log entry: 5h00m47s
